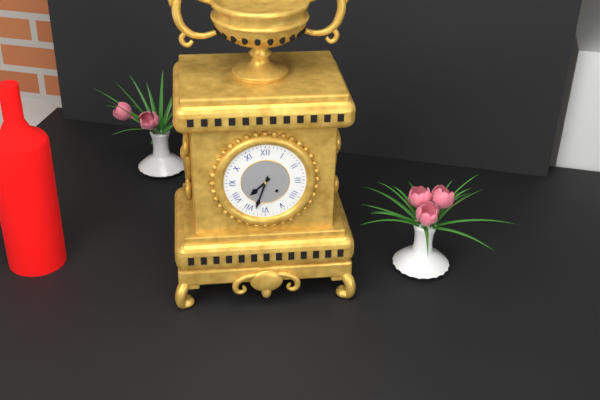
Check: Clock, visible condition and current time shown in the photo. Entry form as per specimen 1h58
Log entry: 7h33
